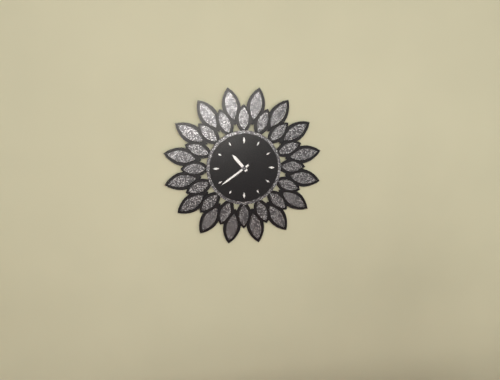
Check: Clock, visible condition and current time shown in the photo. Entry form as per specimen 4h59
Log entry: 10h39
